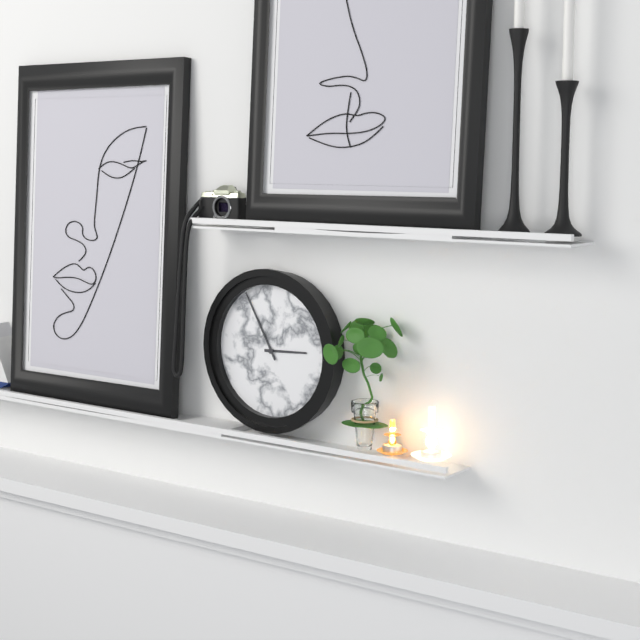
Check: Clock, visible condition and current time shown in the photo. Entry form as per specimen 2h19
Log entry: 2h55
